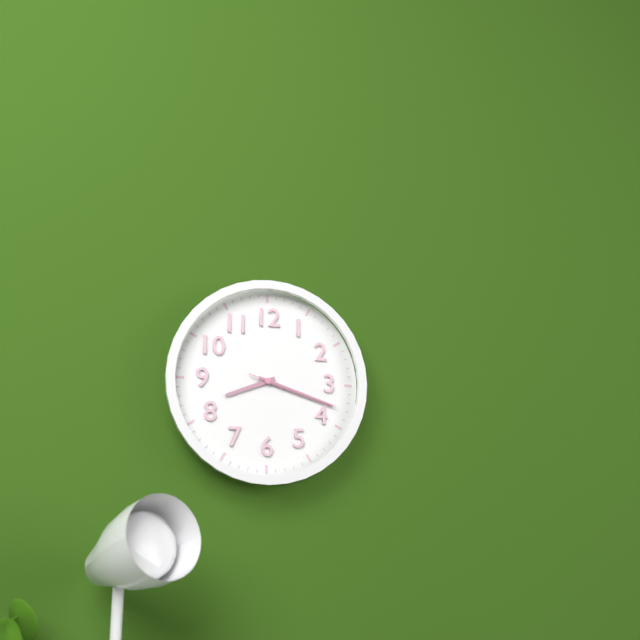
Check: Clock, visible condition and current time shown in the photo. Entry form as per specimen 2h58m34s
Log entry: 8h18m18s
